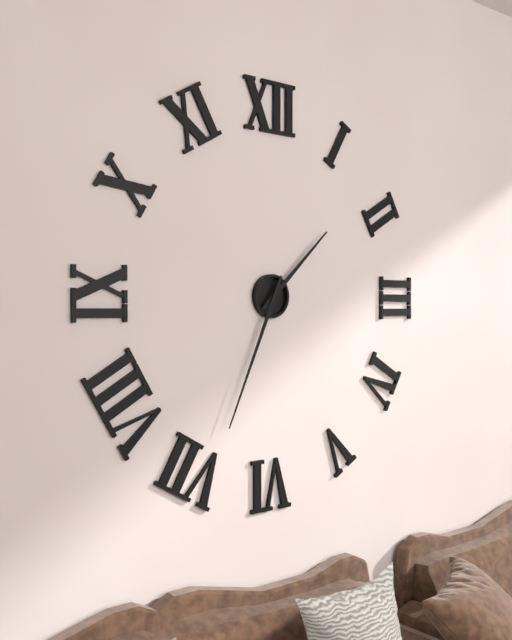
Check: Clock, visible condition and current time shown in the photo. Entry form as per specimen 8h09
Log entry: 1h34
